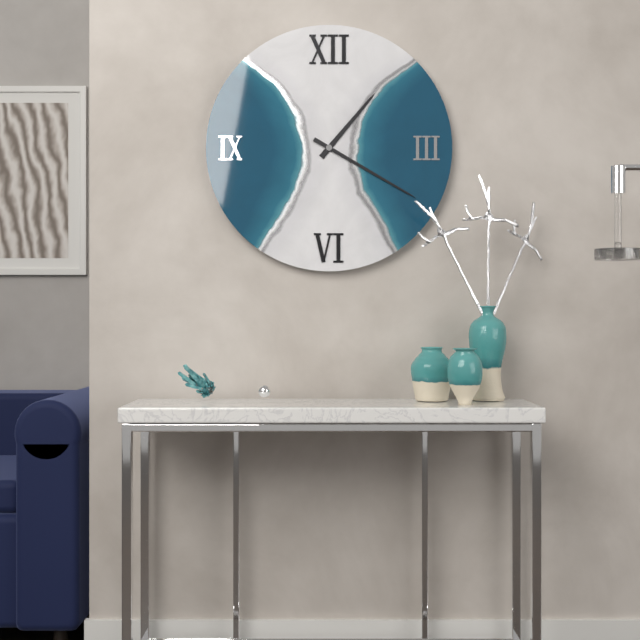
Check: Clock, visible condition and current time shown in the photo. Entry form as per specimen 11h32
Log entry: 1h20
